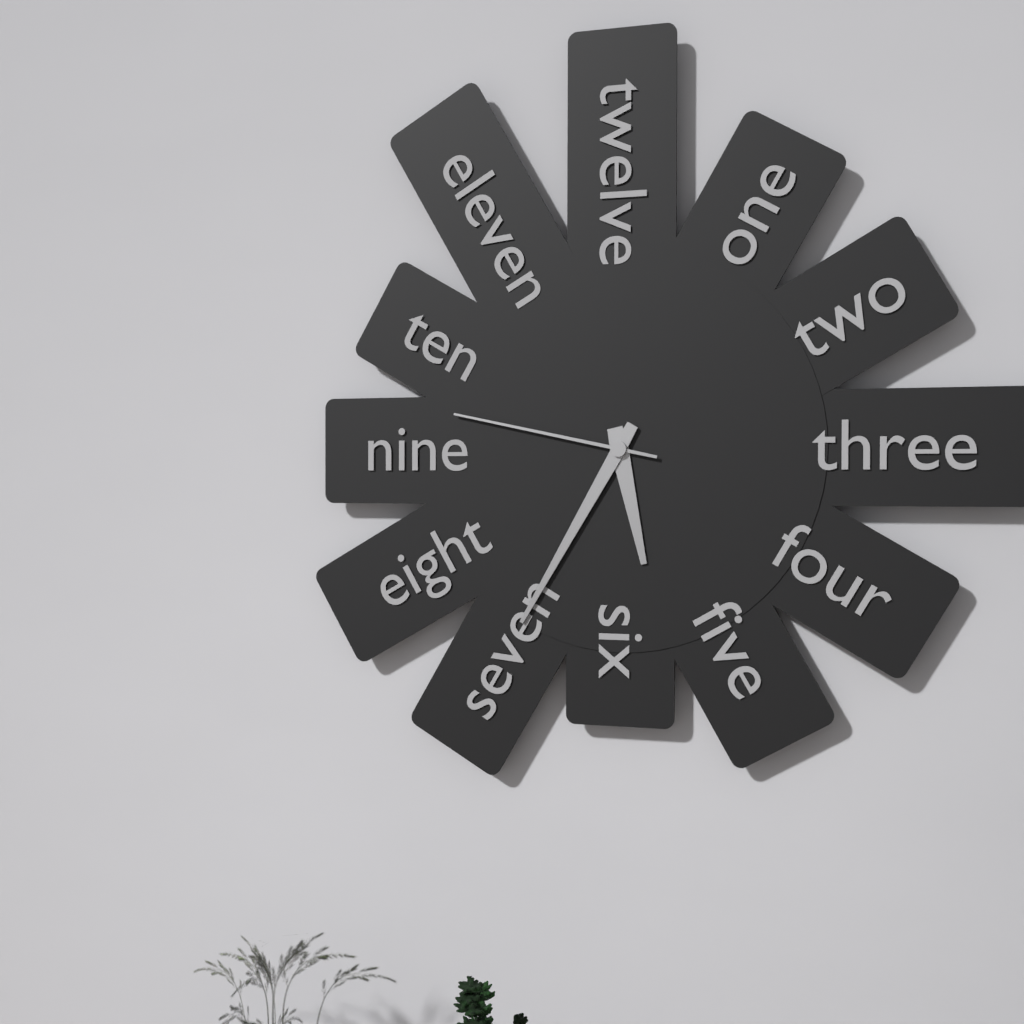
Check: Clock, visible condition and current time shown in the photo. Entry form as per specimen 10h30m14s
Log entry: 5h35m47s
